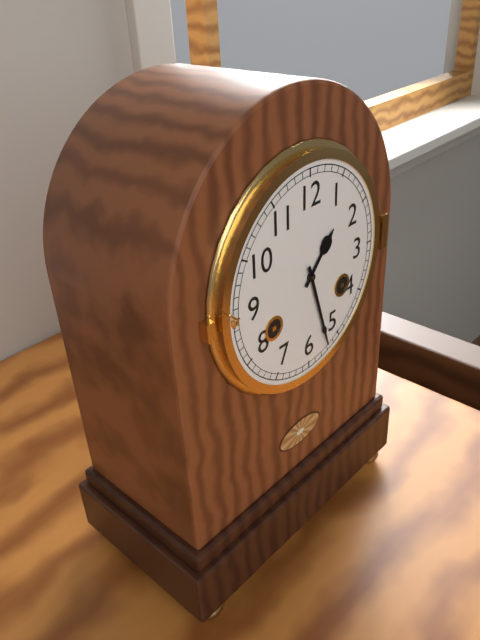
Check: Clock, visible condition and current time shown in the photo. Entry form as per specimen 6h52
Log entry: 1h27
